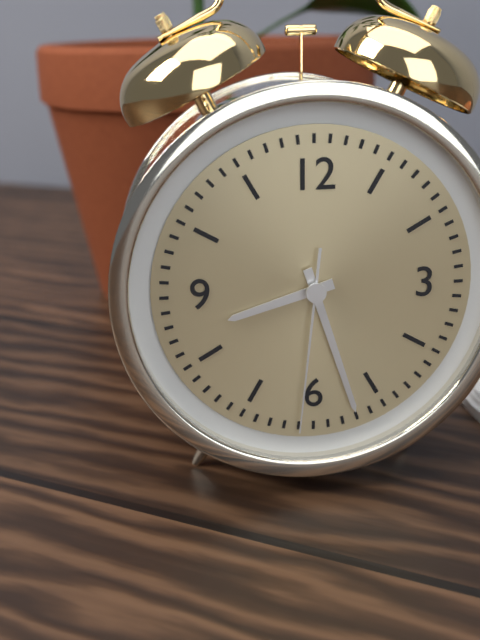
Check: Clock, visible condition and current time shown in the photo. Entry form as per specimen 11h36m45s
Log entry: 8h27m31s
